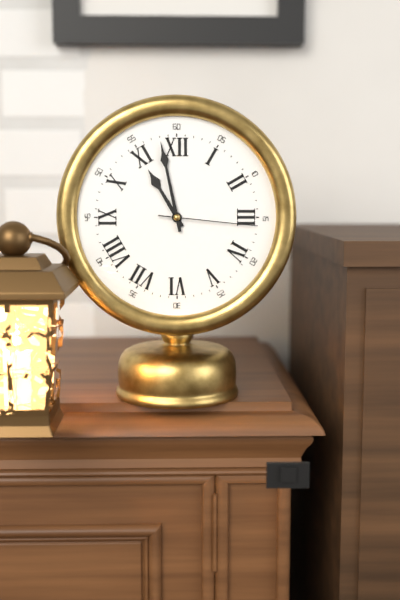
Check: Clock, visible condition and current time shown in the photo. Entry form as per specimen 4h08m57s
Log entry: 10h58m16s
